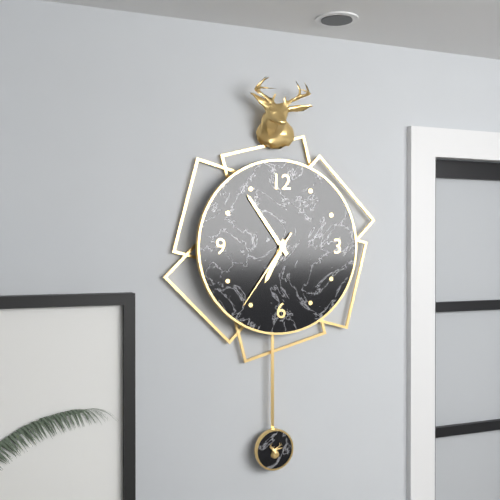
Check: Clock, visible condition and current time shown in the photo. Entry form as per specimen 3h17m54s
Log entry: 6h54m36s
